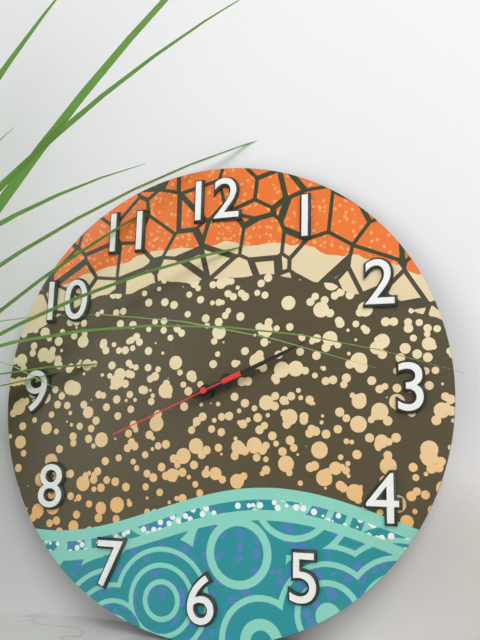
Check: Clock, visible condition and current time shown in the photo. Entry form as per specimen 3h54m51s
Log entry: 2h11m41s
